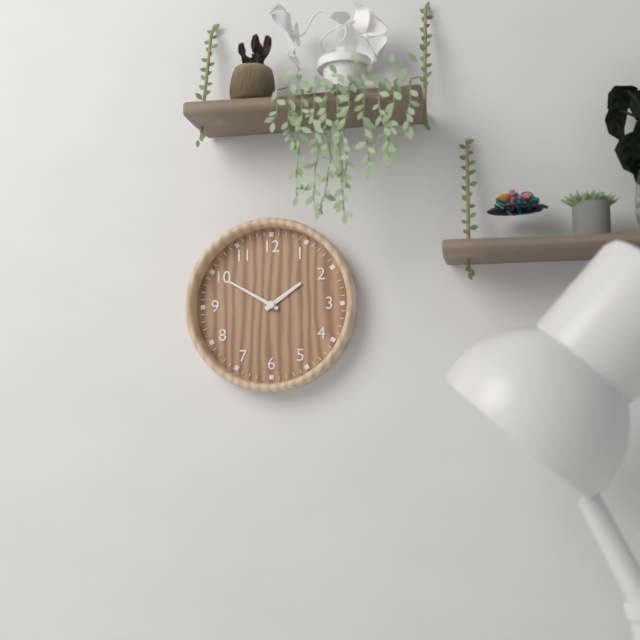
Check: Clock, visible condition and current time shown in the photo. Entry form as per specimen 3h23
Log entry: 1h50
